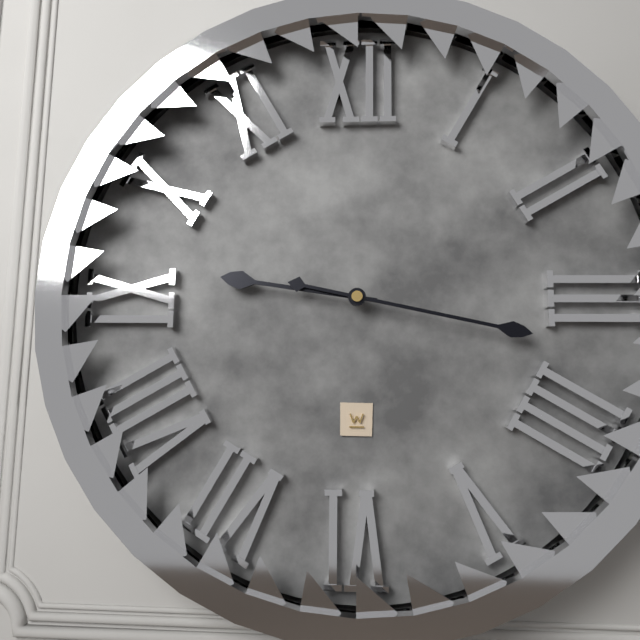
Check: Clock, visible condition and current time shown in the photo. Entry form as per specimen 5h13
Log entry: 9h17
